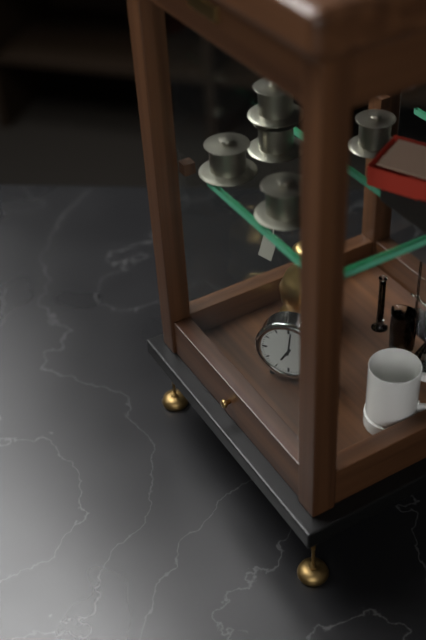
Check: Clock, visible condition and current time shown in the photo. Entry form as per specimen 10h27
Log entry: 7h01
